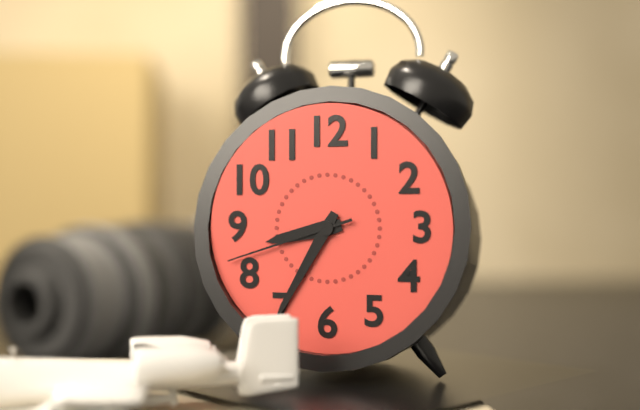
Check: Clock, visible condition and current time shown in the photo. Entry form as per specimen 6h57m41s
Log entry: 8h35m42s
